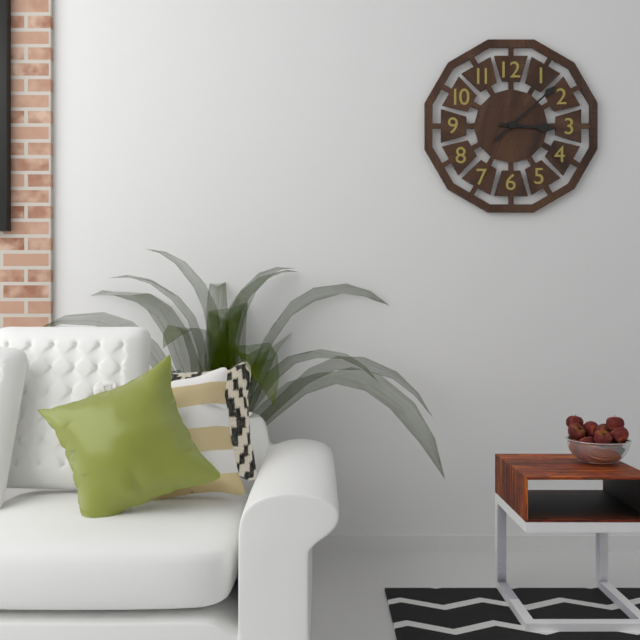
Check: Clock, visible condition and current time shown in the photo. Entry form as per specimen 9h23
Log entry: 3h08
